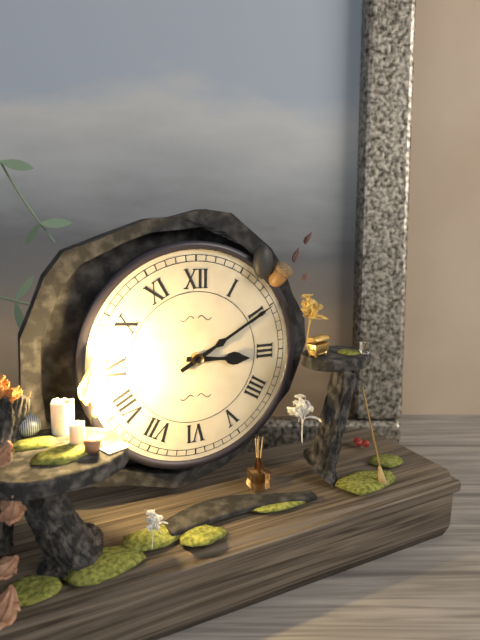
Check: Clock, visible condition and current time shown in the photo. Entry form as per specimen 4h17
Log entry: 3h10
